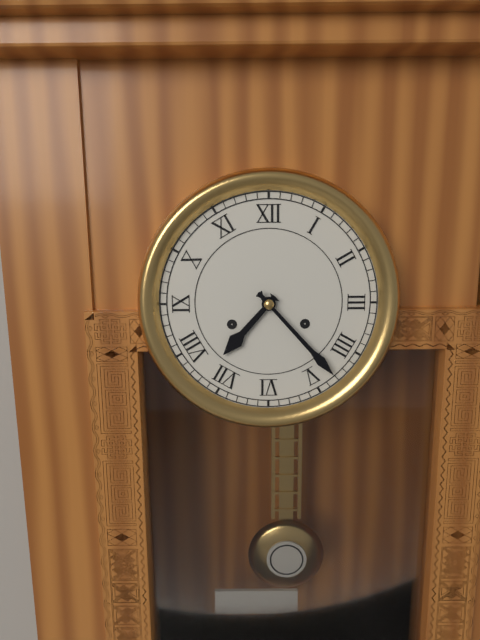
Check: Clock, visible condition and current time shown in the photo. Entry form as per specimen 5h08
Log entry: 7h23
